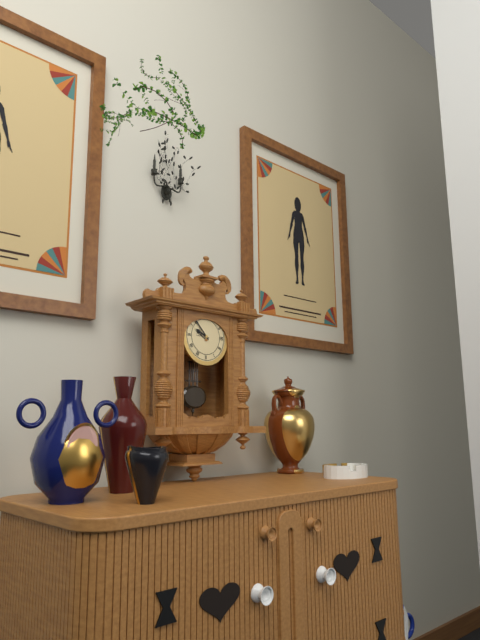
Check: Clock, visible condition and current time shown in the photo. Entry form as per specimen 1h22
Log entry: 9h53
